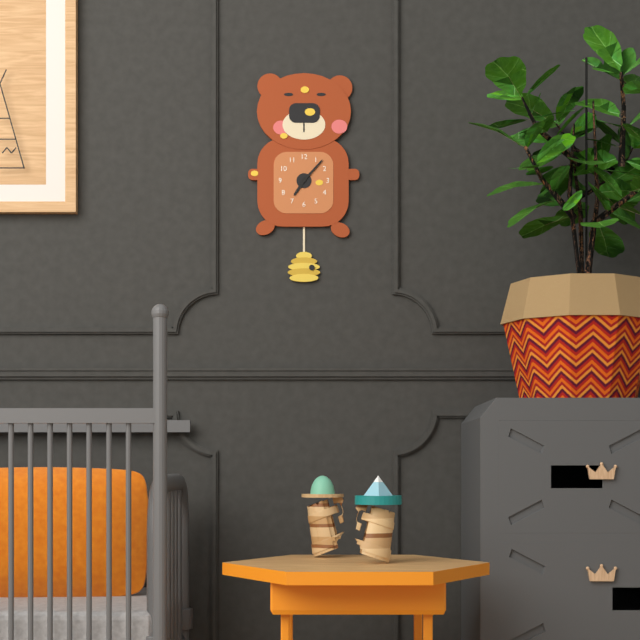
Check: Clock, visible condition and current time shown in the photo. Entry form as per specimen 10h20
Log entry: 7h07
